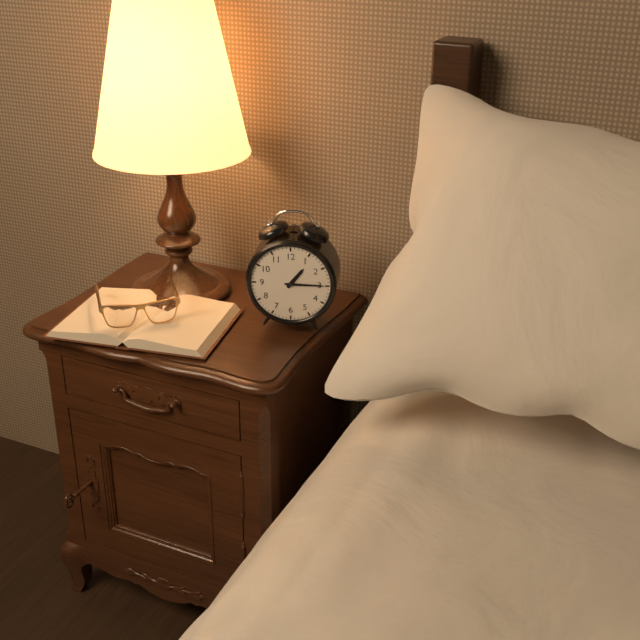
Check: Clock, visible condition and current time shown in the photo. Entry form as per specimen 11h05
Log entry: 1h15
